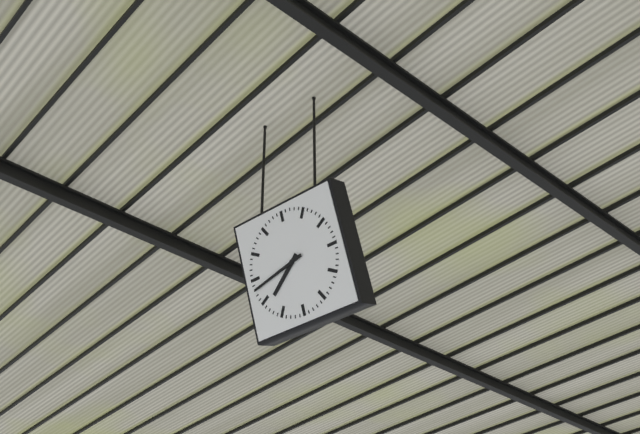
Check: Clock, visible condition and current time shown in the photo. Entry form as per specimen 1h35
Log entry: 7h43
